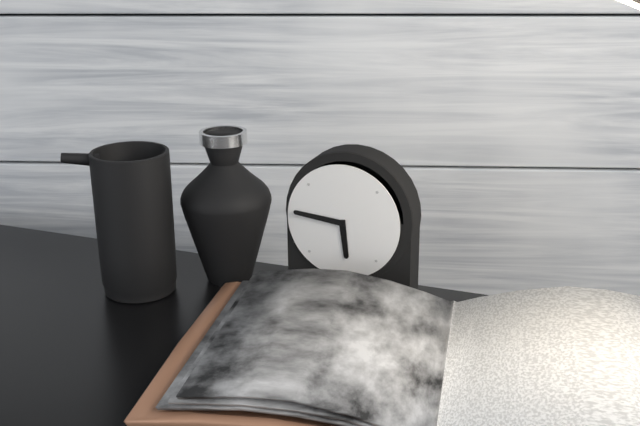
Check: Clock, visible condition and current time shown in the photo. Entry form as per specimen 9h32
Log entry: 5h46
